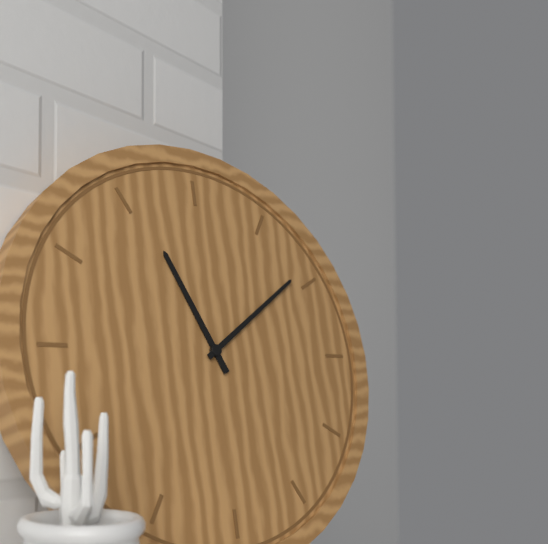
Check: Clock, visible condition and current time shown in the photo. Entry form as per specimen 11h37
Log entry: 11h09
